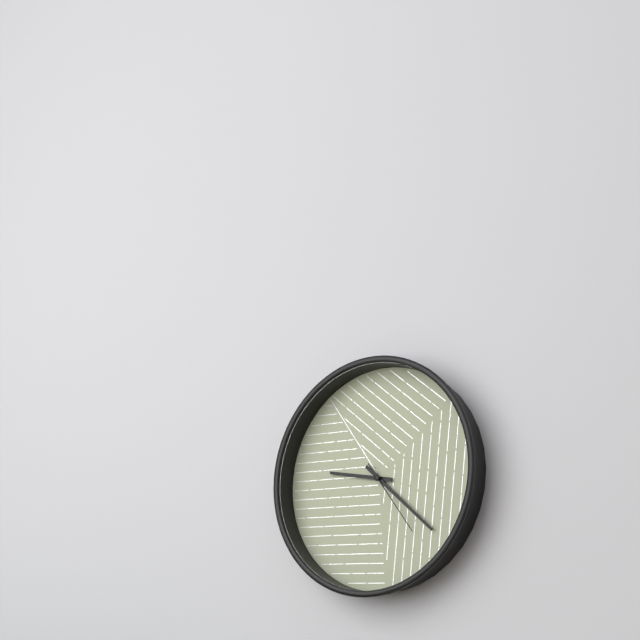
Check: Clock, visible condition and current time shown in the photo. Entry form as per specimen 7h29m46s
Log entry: 9h22m24s
